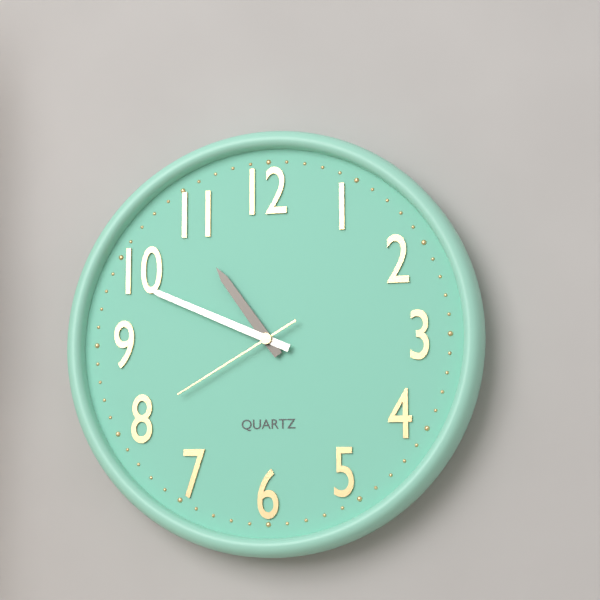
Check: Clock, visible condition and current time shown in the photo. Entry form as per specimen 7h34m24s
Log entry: 10h49m40s
